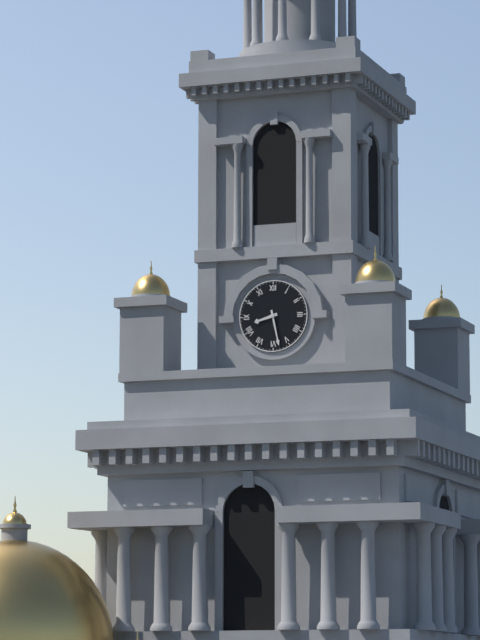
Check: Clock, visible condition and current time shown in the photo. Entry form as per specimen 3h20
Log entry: 8h28
